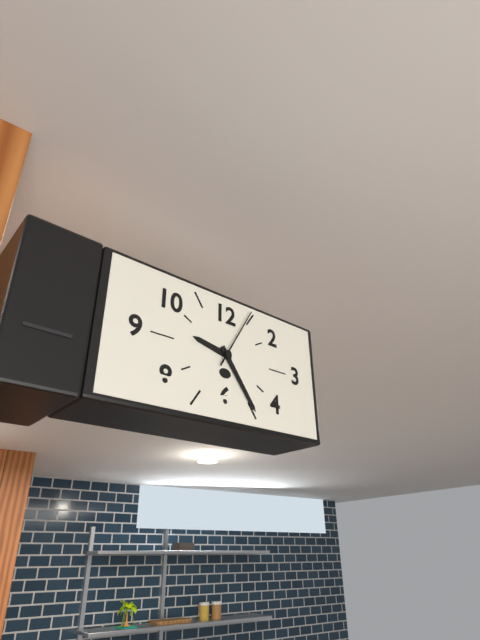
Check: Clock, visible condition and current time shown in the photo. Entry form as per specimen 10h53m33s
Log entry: 9h24m05s
